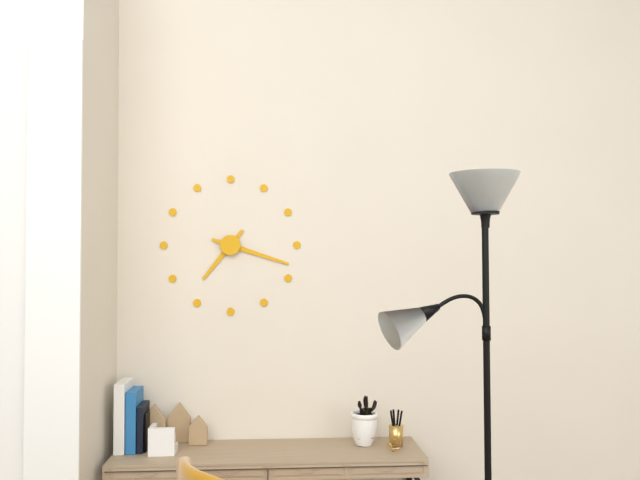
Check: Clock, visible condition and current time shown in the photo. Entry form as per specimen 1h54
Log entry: 7h18
